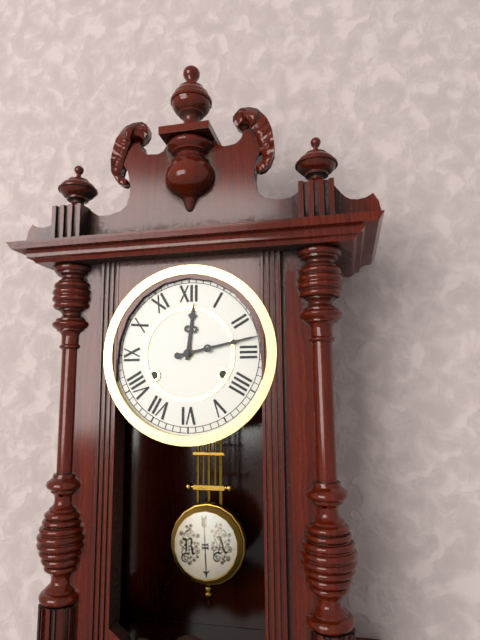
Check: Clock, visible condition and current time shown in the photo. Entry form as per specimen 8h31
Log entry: 12h13
